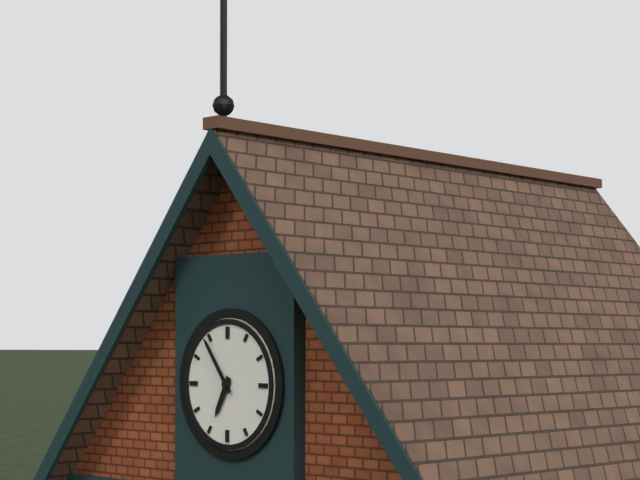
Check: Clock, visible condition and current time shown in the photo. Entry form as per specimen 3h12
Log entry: 6h54
